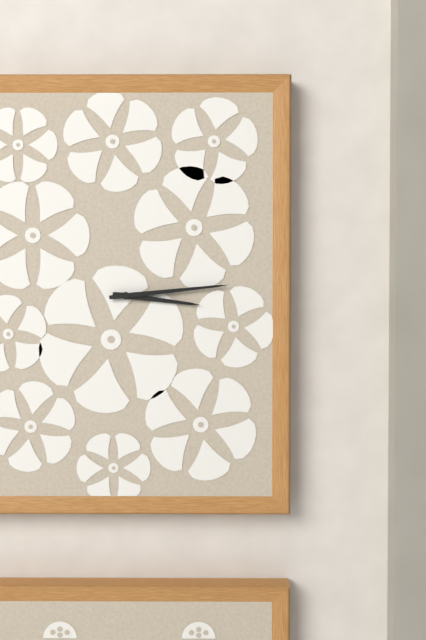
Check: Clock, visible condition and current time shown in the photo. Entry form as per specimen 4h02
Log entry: 3h14
